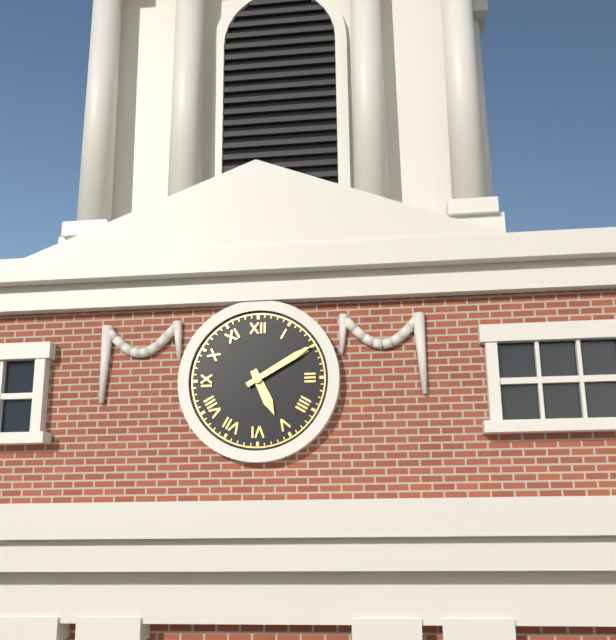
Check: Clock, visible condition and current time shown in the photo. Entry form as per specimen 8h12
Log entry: 5h10
